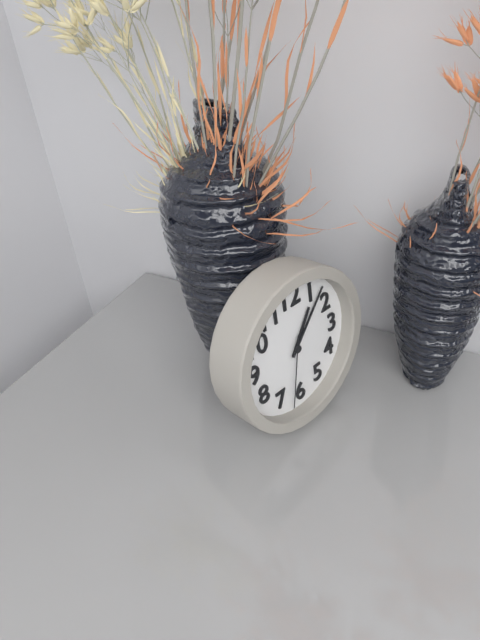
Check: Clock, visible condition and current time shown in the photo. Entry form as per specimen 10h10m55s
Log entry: 1h07m32s
